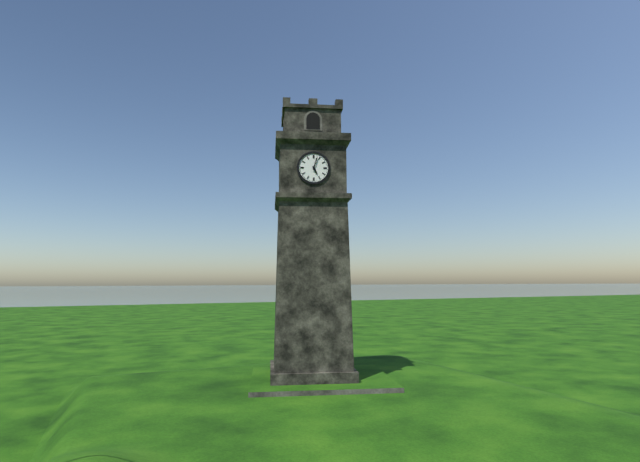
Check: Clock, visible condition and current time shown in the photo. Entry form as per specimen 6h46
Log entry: 5h03
